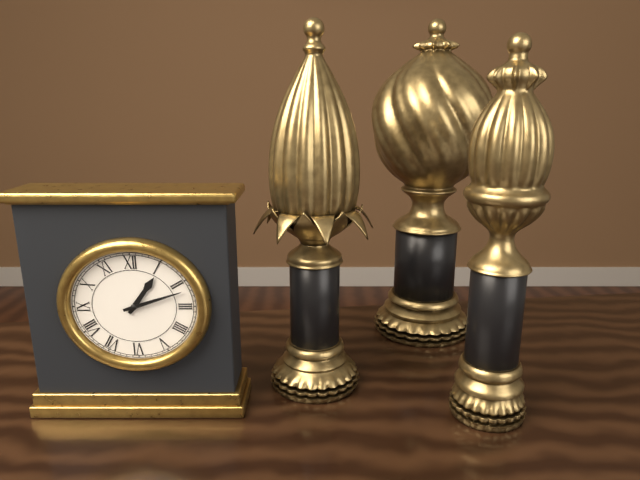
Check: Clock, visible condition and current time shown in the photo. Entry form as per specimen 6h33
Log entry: 1h12
